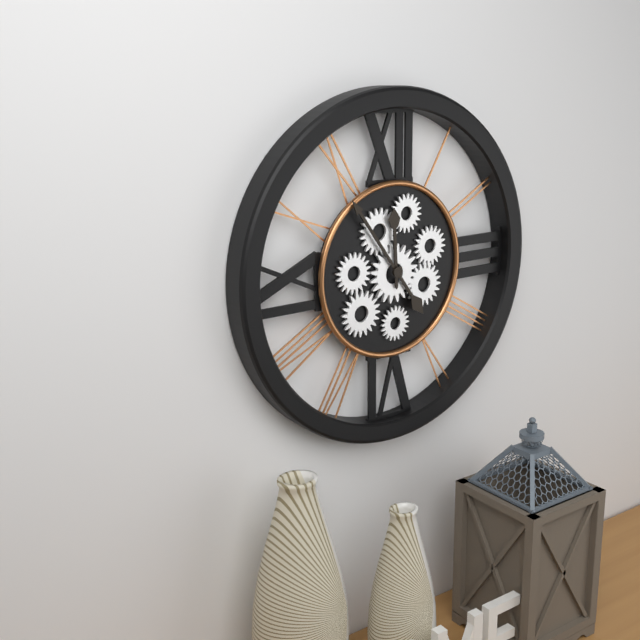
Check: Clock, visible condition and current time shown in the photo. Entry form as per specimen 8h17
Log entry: 11h54
